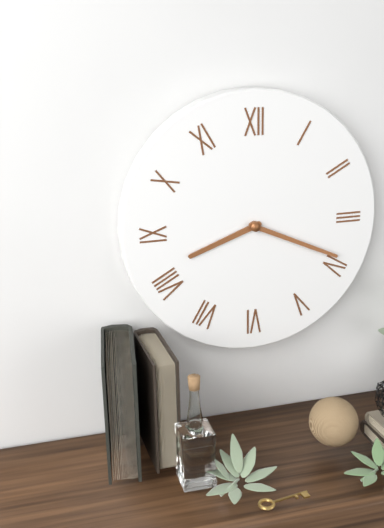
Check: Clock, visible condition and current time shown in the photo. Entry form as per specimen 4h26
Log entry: 8h19
